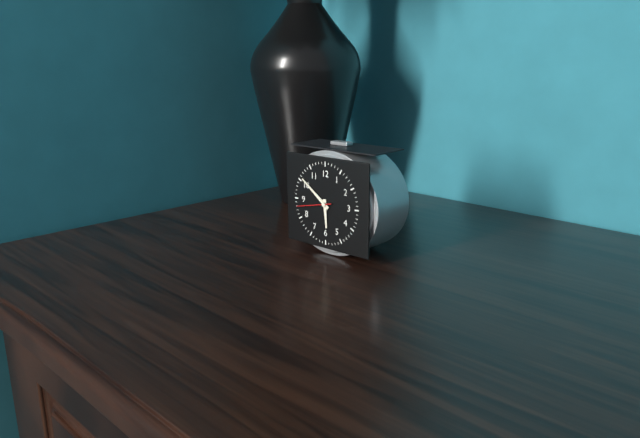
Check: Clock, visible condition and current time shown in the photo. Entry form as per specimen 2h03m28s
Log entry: 5h51m43s
